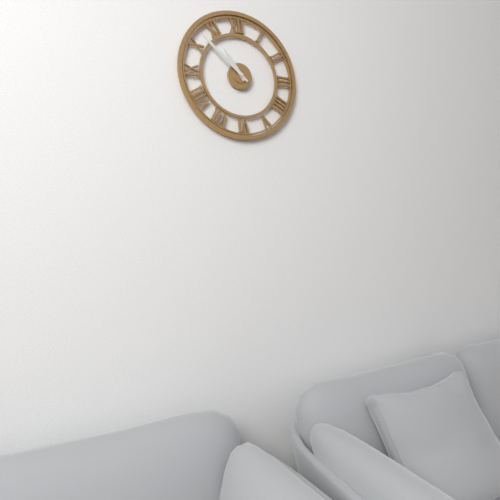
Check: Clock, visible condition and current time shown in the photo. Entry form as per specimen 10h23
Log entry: 10h52
